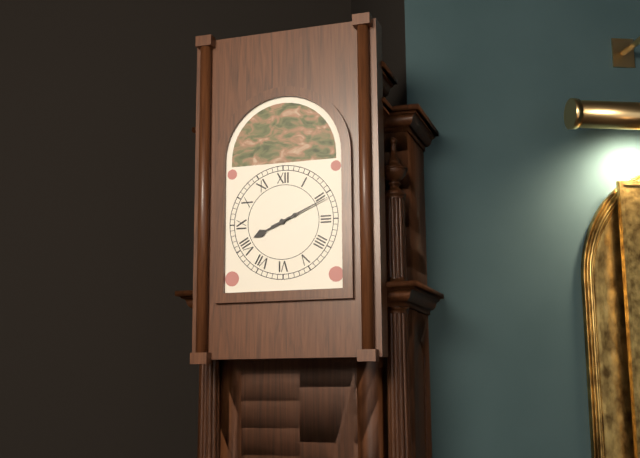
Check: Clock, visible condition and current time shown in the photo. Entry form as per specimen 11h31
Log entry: 8h11
